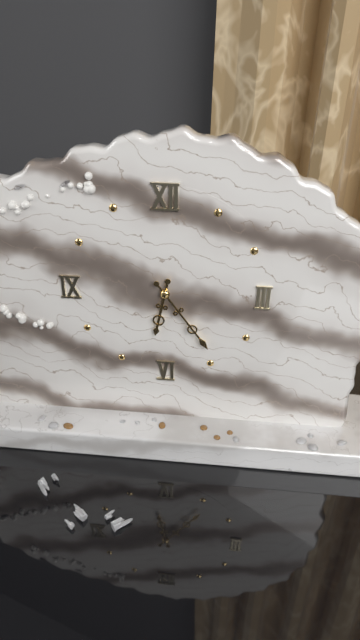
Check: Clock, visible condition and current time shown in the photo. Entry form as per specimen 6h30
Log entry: 6h24
